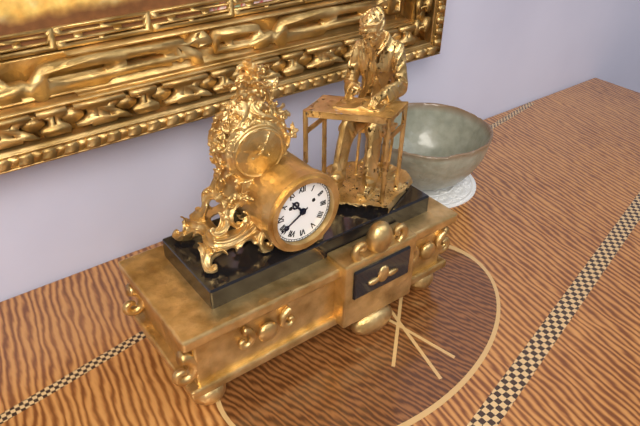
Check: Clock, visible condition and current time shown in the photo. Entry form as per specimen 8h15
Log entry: 10h40
